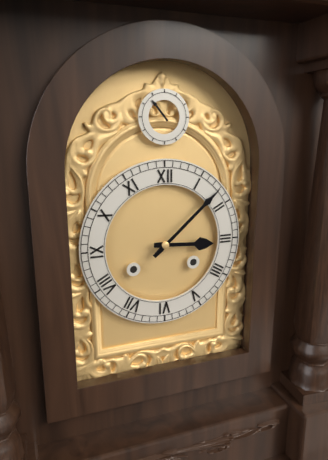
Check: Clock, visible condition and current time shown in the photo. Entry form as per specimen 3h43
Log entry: 3h08
